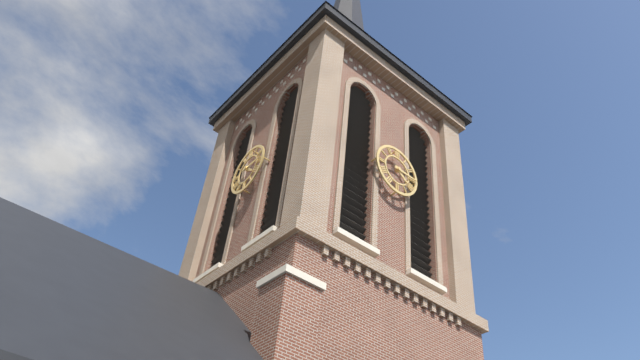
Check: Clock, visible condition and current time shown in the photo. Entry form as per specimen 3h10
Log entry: 4h15
